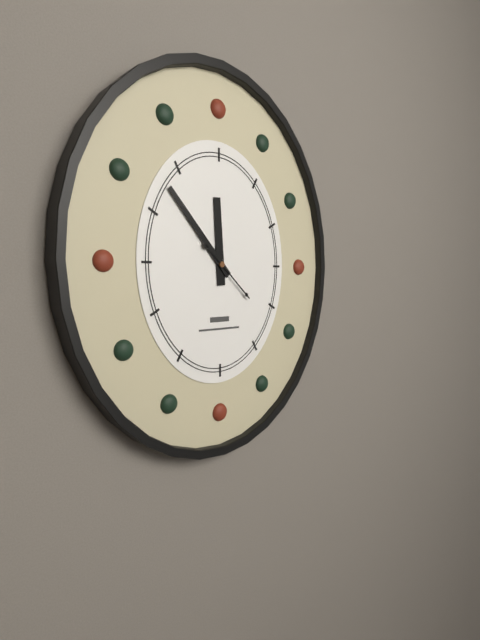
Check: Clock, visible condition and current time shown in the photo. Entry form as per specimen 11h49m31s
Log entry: 11h53m22s
